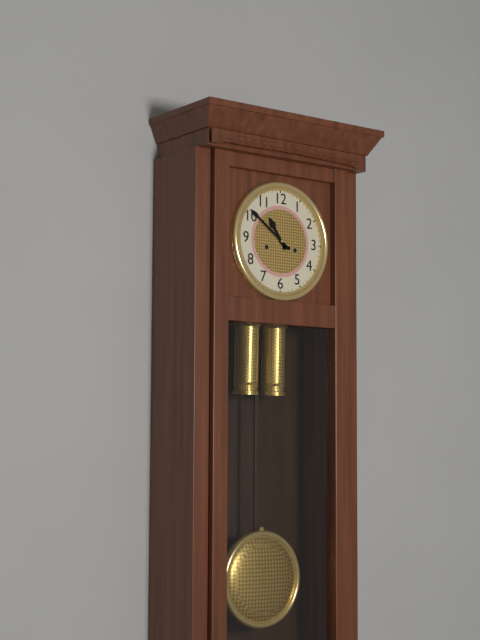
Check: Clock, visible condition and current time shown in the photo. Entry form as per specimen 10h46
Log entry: 10h51
